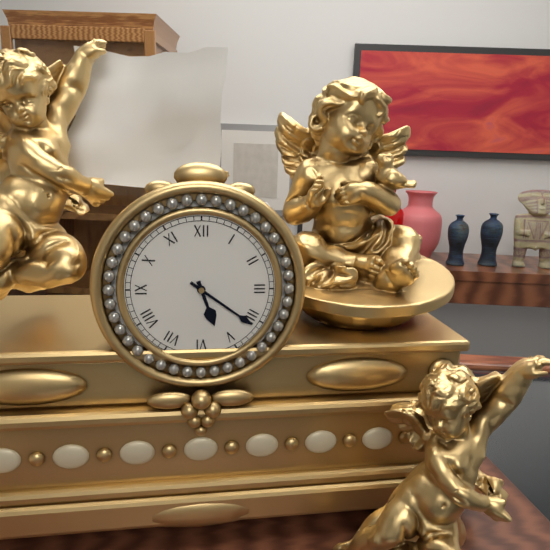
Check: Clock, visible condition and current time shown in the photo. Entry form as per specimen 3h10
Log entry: 5h21
